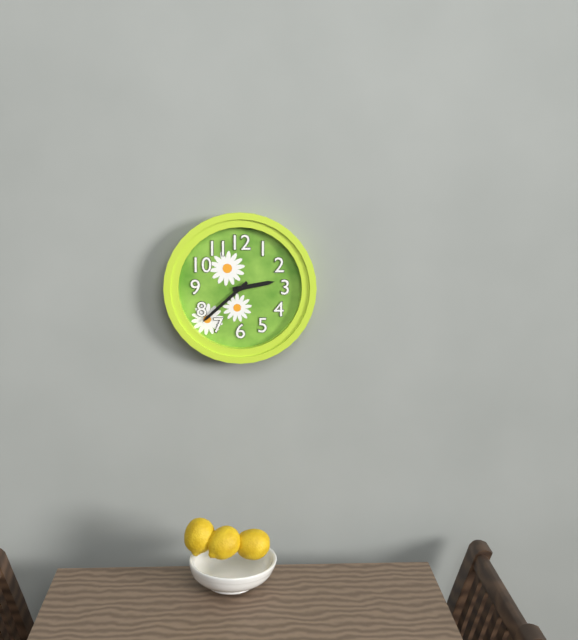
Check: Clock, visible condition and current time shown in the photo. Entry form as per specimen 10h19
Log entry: 2h38
